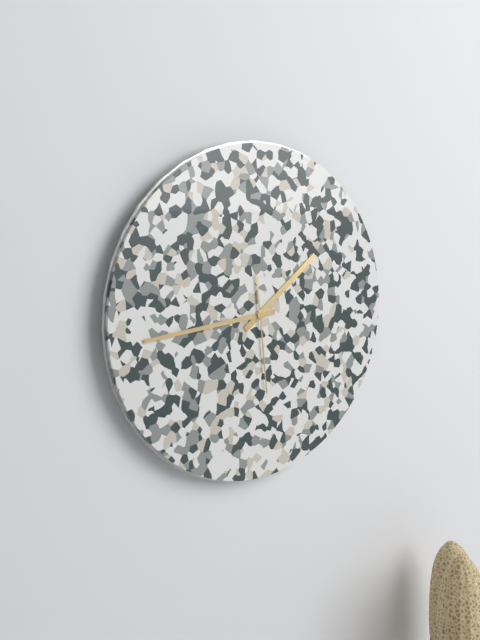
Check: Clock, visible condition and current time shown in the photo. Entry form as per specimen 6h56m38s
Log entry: 1h44m29s
